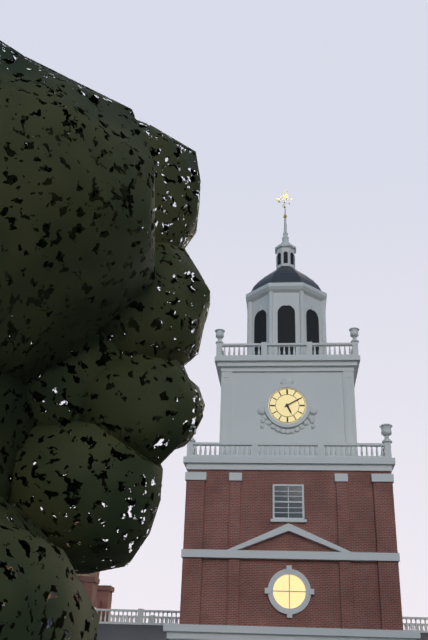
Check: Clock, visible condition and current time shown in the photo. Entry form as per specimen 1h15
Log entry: 5h10
